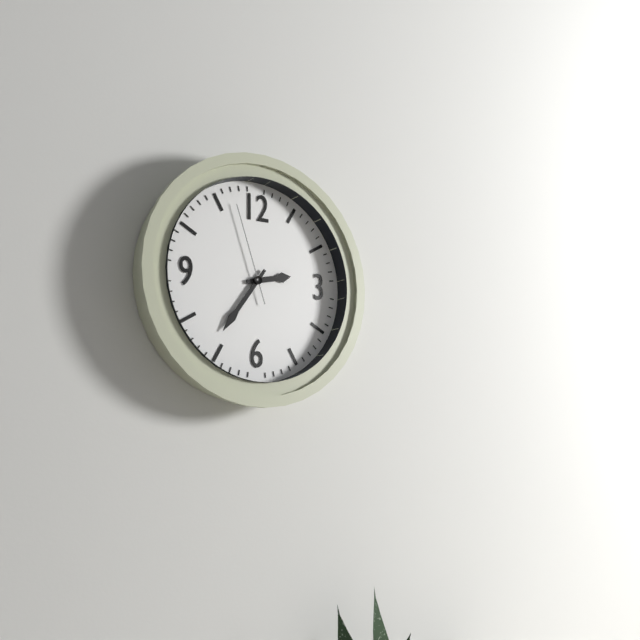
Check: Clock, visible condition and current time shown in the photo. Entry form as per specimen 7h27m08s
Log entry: 2h36m57s
